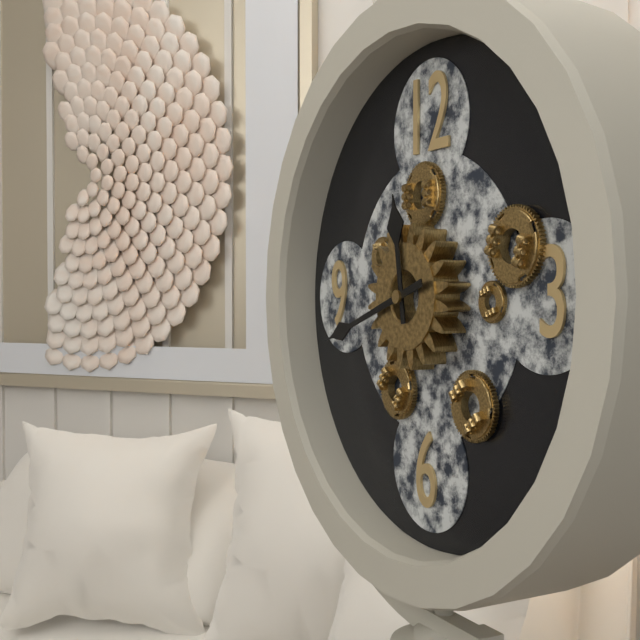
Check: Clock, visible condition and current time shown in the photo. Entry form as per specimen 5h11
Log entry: 11h42
